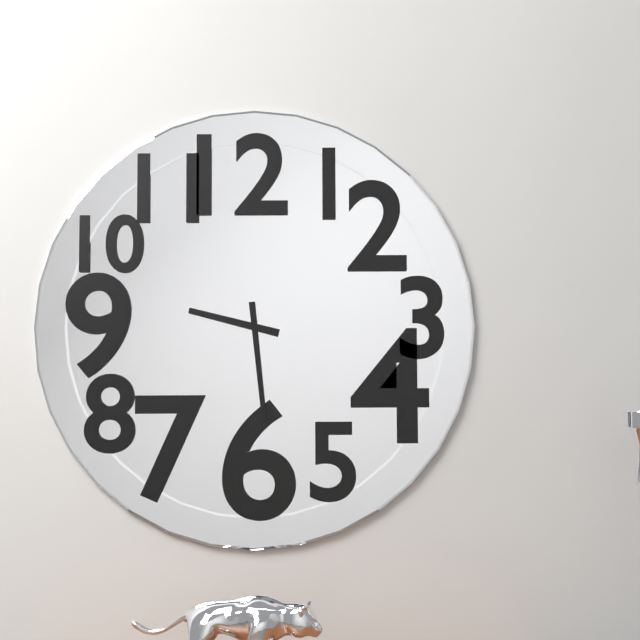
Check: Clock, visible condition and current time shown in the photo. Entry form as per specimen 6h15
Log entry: 9h29
